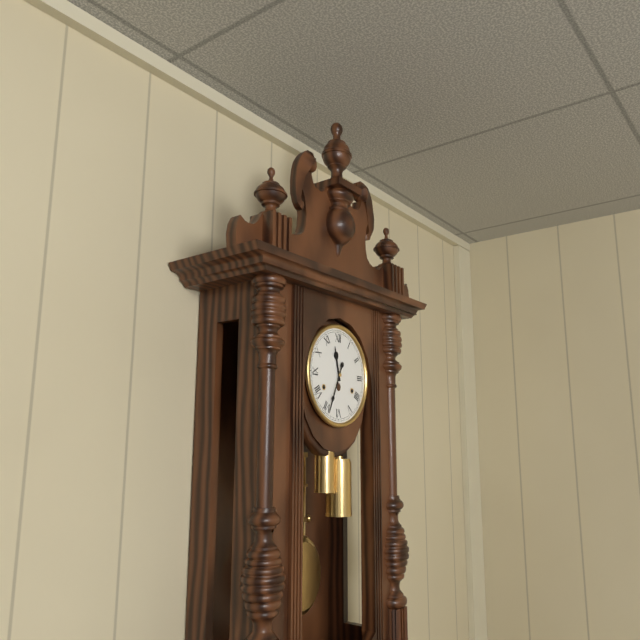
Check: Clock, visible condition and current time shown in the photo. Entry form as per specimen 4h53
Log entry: 11h34
